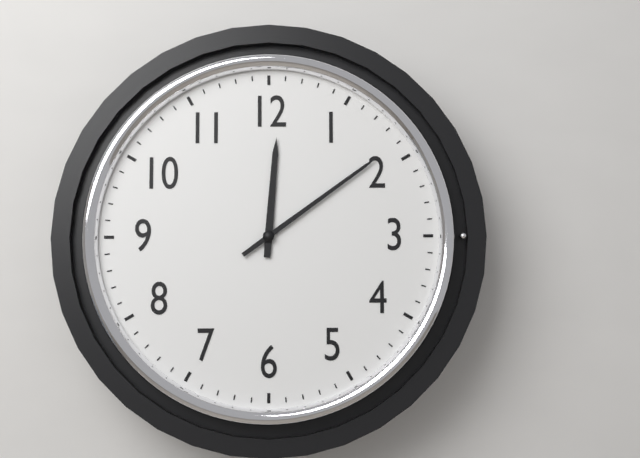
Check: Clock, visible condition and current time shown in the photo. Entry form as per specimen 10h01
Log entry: 12h09
